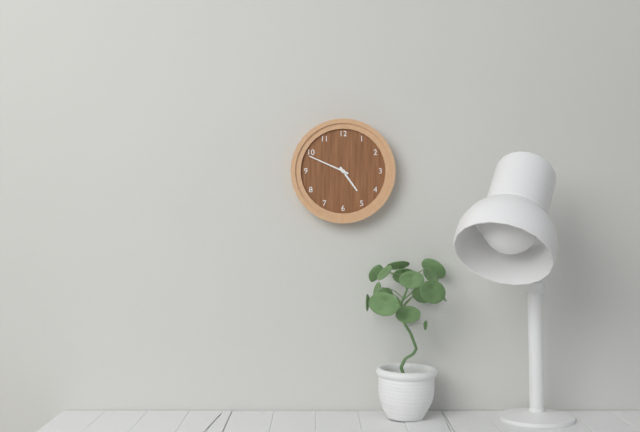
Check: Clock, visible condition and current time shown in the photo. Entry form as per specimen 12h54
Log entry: 4h49
